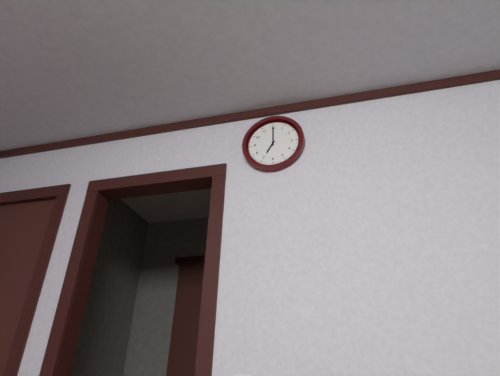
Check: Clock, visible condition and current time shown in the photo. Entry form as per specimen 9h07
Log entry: 7h00
